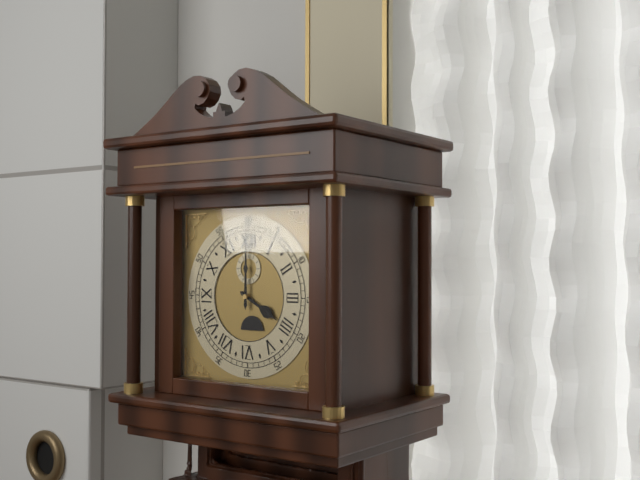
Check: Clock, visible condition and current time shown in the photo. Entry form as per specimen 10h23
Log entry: 4h00
